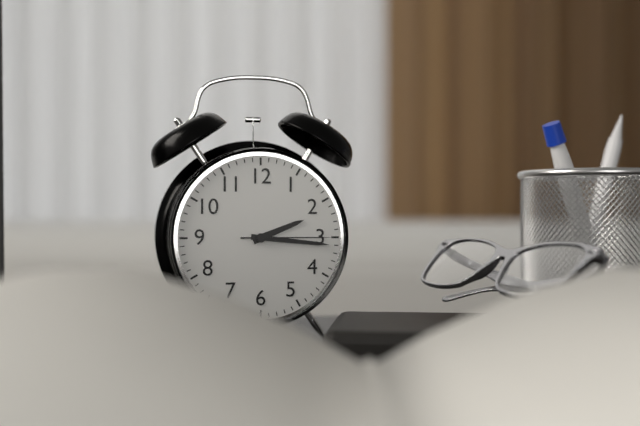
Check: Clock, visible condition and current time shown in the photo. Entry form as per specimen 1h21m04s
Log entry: 2h16m15s
